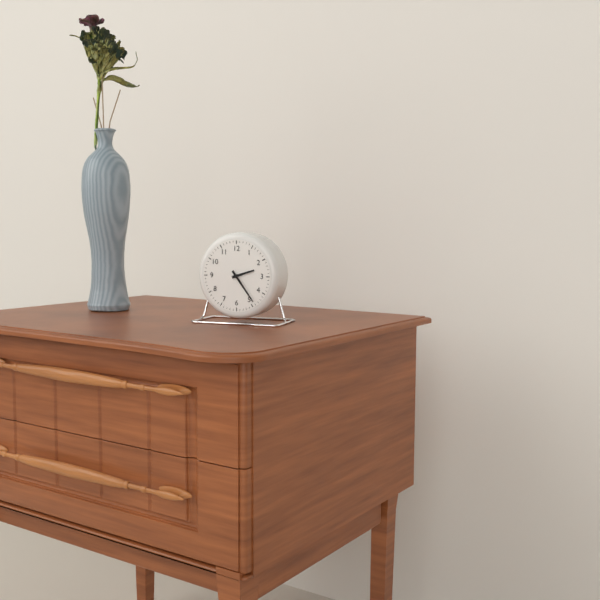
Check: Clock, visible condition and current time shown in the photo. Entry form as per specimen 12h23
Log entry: 2h24
